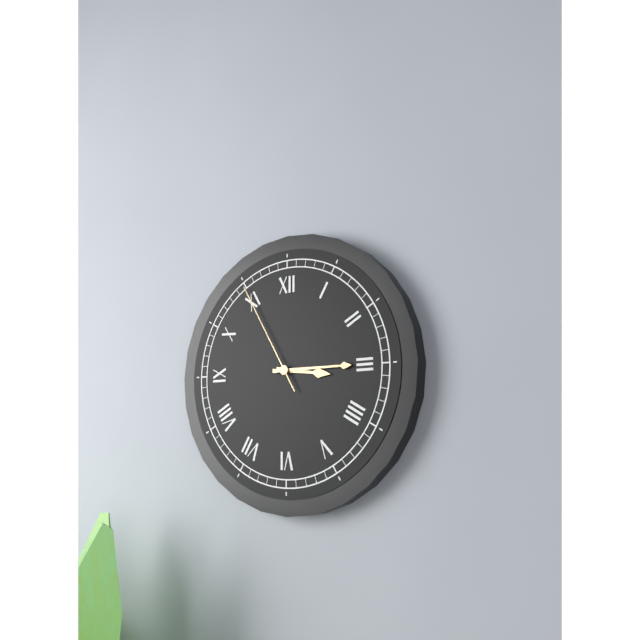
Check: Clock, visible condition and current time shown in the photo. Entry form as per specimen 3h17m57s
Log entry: 3h15m55s
